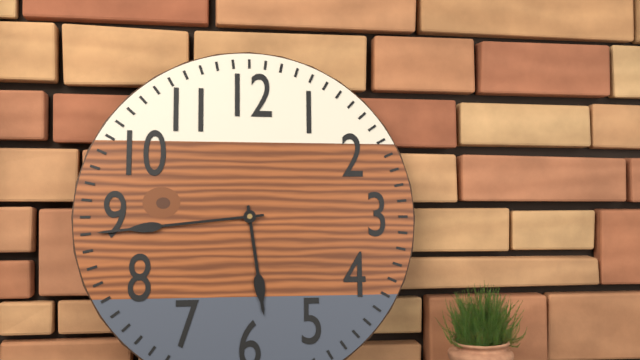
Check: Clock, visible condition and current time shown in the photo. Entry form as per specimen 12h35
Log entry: 5h44
